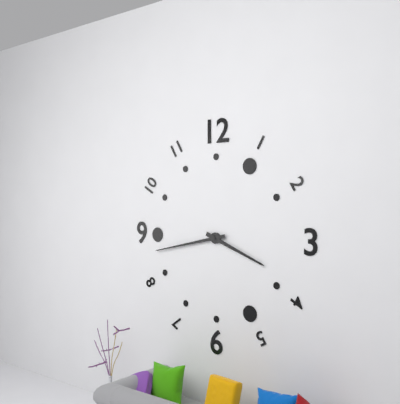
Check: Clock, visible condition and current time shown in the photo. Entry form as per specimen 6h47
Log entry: 3h43
